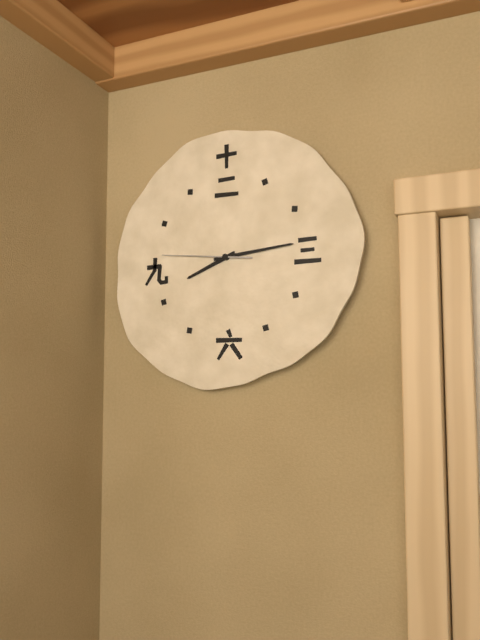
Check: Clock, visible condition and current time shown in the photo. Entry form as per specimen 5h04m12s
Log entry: 8h14m46s
